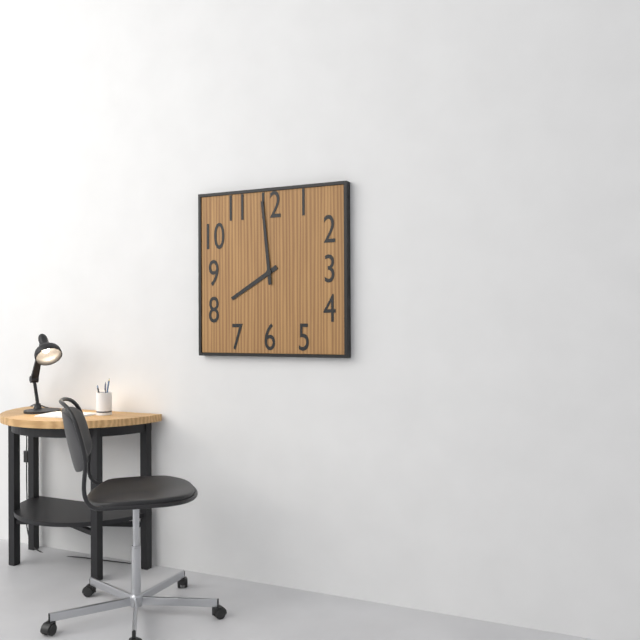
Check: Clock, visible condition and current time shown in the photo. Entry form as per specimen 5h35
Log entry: 7h59
